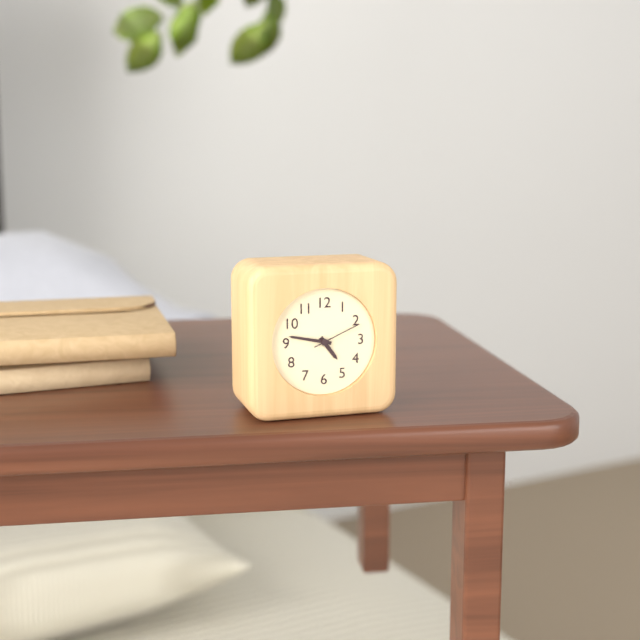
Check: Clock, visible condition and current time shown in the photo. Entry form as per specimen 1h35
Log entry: 4h47
